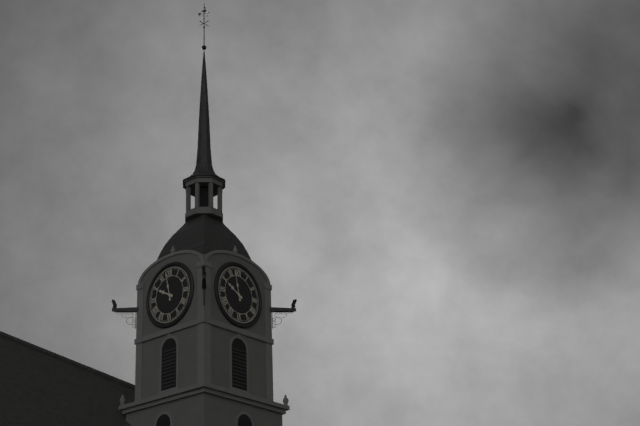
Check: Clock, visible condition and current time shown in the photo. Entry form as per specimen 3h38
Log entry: 9h58
